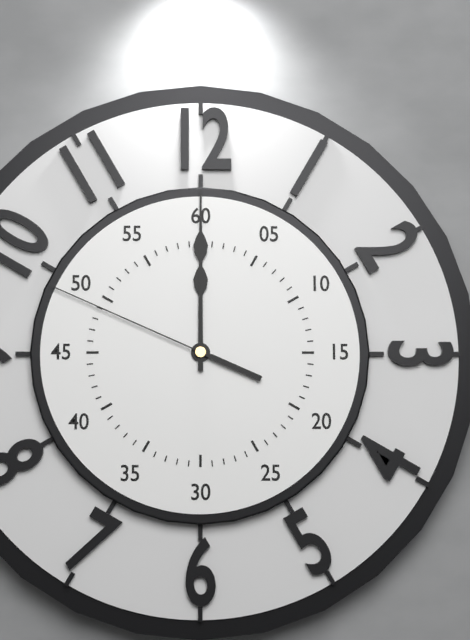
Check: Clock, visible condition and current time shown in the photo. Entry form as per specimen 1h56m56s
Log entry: 12h00m49s
